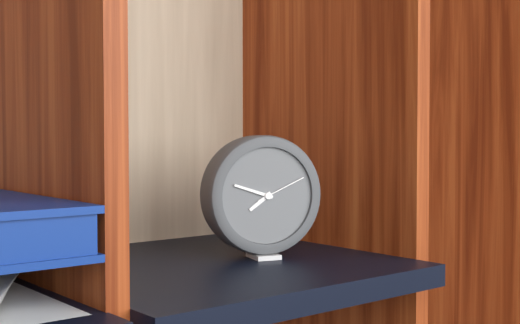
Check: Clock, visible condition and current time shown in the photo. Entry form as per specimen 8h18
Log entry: 7h48
